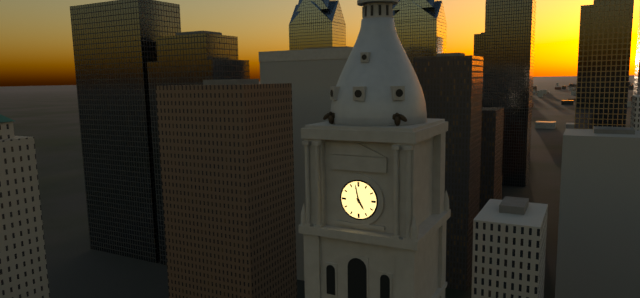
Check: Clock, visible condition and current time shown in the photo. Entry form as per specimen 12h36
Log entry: 4h58
